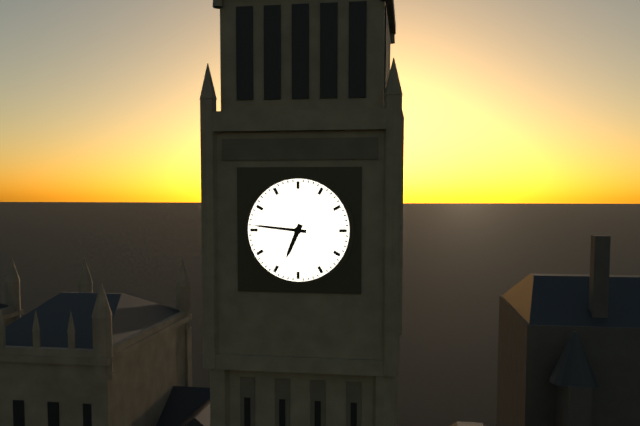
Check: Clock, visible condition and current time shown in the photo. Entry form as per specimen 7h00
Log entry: 6h46
